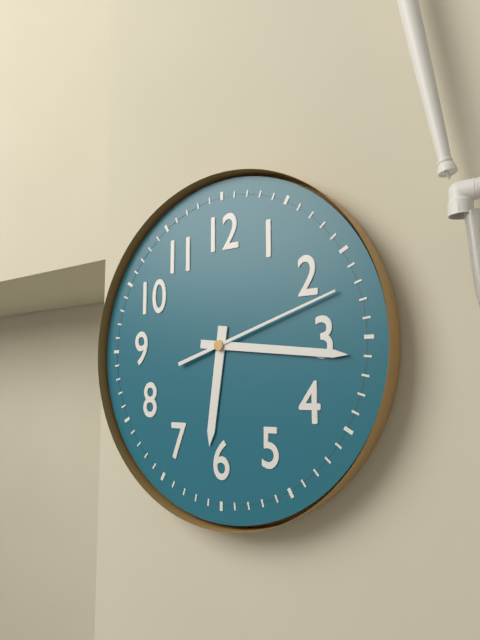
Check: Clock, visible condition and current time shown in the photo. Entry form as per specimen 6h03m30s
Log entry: 6h16m12s
